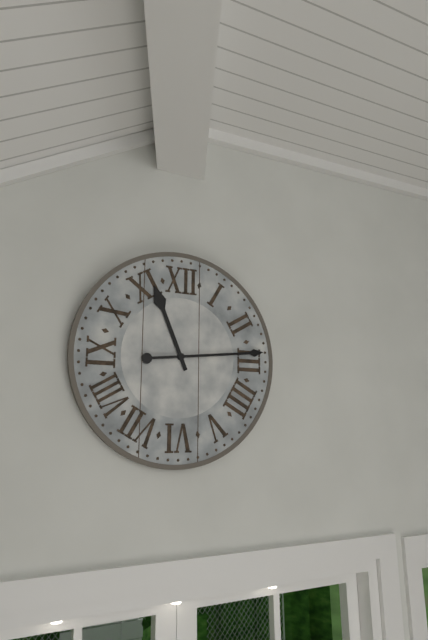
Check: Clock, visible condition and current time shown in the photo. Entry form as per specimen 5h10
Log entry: 11h14
